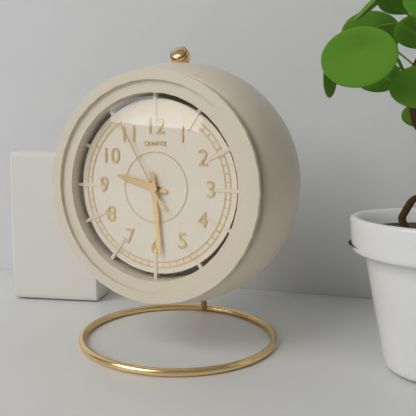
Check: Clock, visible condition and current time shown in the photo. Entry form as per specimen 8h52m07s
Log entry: 9h29m55s
